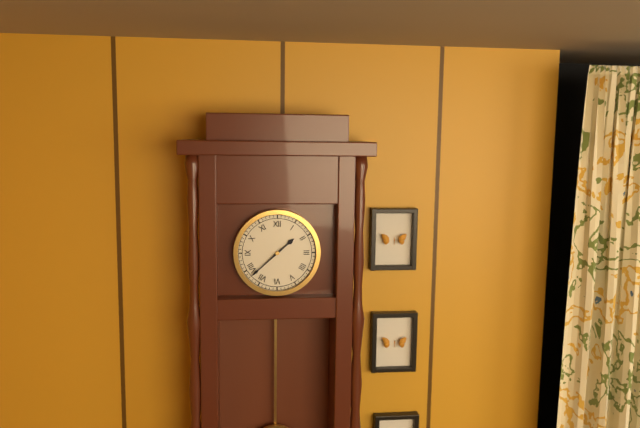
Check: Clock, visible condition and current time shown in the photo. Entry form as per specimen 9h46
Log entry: 1h38
